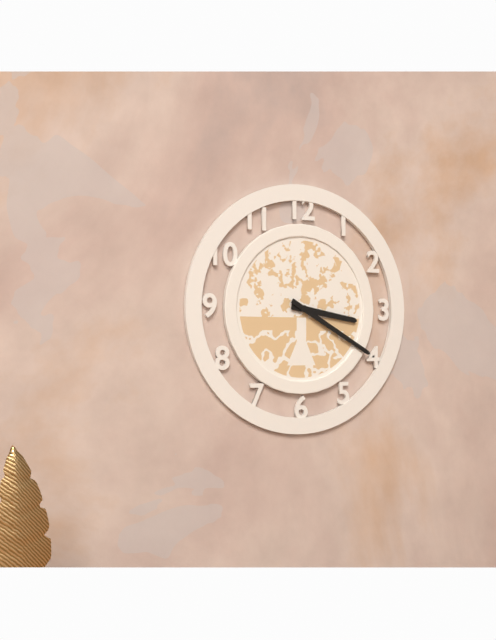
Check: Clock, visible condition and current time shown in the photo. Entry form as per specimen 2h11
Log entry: 3h20
